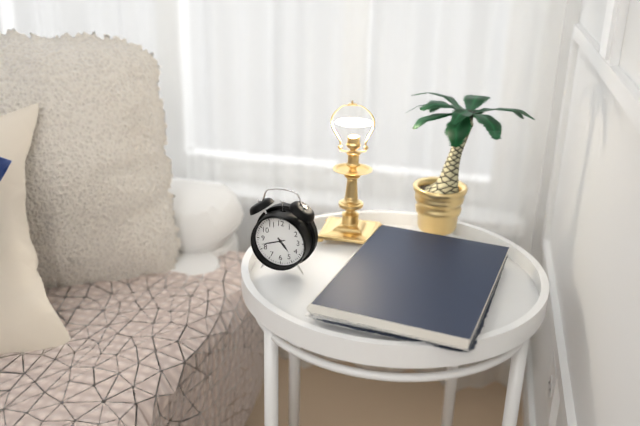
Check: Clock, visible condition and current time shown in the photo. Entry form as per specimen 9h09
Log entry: 4h42
